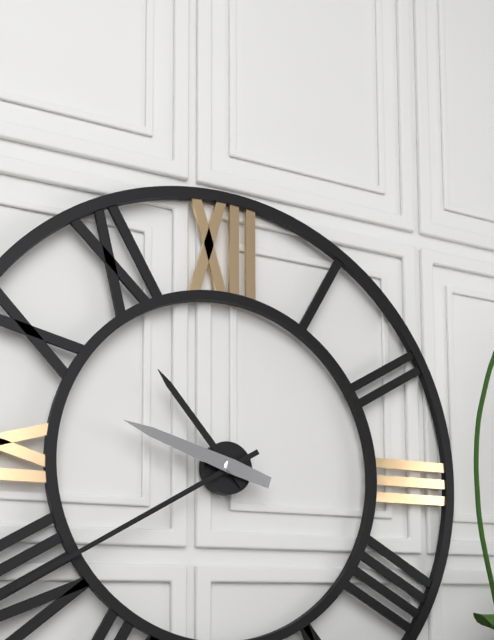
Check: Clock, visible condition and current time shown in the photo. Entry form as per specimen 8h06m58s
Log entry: 10h40m48s
